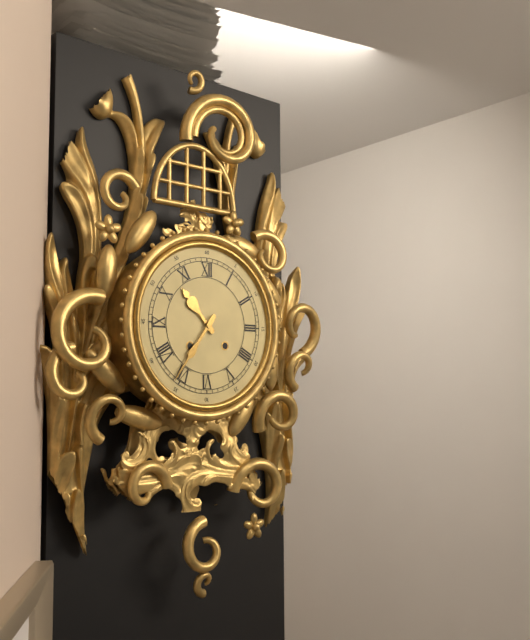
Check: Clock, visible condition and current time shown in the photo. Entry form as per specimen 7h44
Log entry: 10h36
